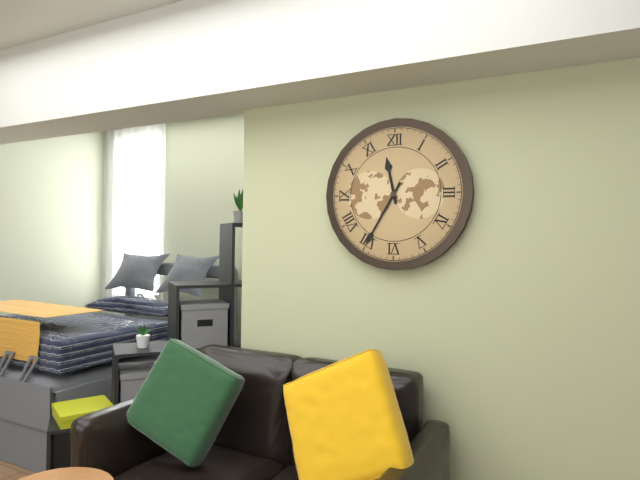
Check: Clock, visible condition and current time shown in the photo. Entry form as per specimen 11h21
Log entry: 11h35
